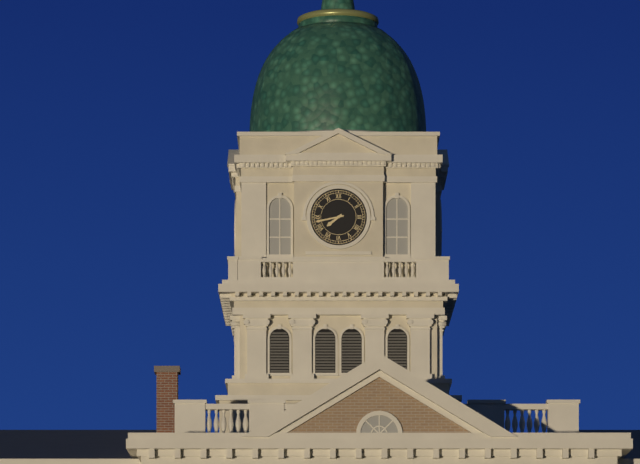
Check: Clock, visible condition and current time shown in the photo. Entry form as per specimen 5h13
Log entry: 7h43
